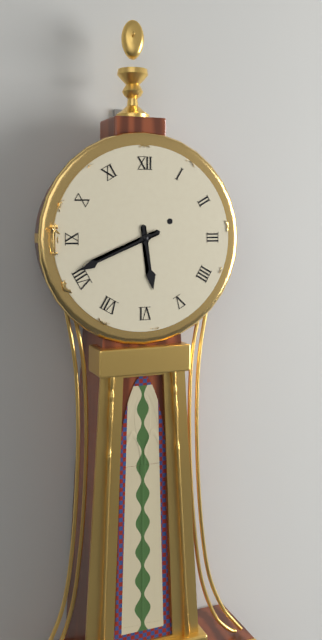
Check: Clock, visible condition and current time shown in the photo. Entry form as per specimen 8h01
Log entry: 5h41
